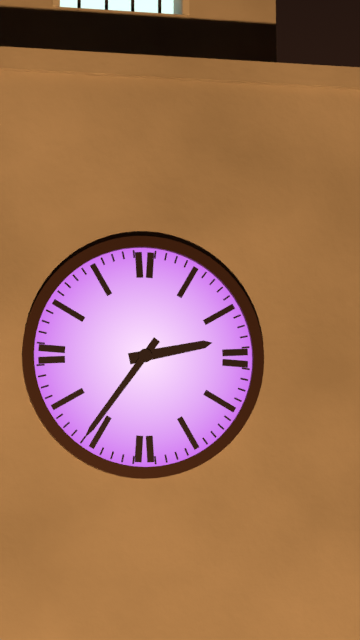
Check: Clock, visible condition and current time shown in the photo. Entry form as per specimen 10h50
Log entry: 2h36
